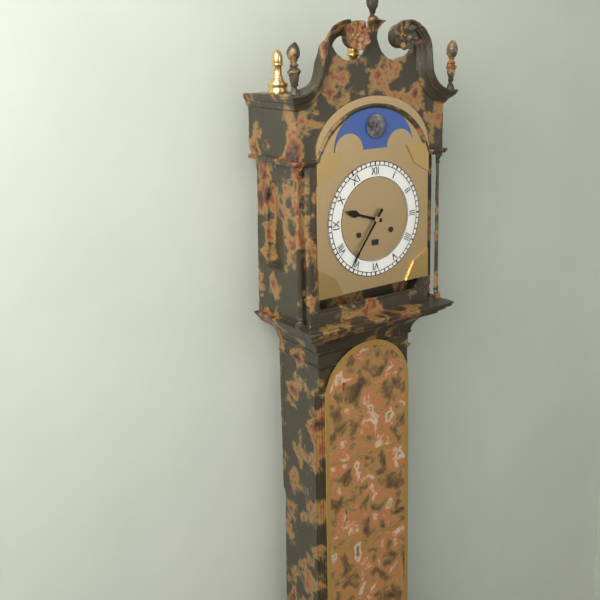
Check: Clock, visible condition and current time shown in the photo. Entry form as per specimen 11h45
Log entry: 9h36
